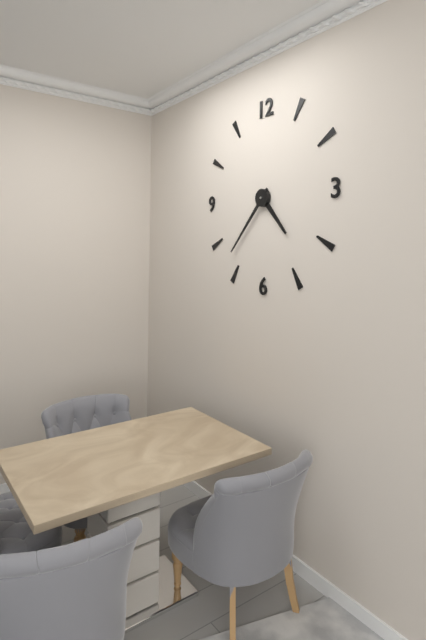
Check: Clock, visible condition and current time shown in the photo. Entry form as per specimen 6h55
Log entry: 4h37
